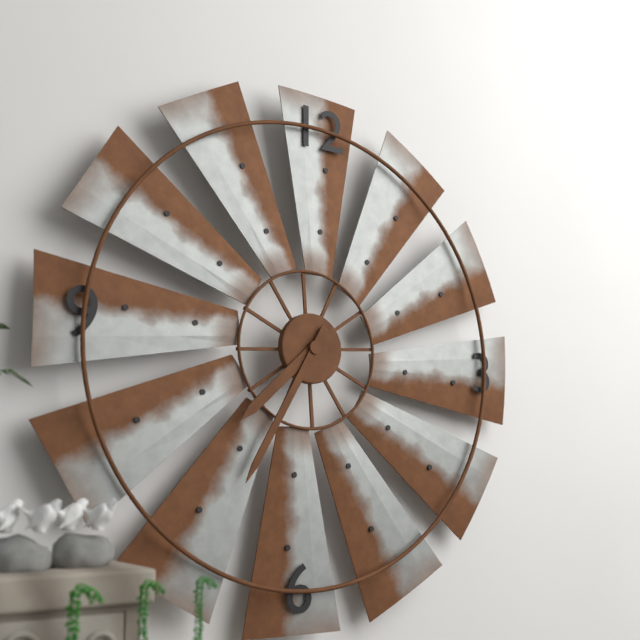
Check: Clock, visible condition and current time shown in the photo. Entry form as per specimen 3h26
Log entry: 7h35
